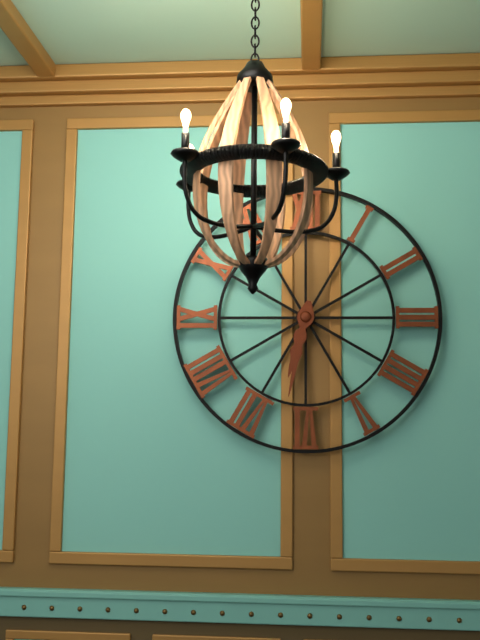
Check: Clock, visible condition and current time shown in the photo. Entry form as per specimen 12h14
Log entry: 6h32
